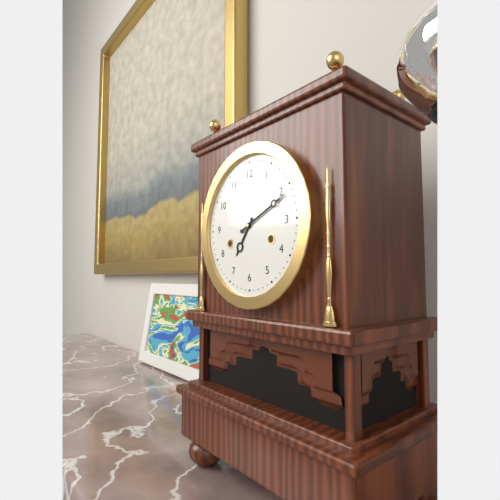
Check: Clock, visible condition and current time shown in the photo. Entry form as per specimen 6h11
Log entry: 7h11
